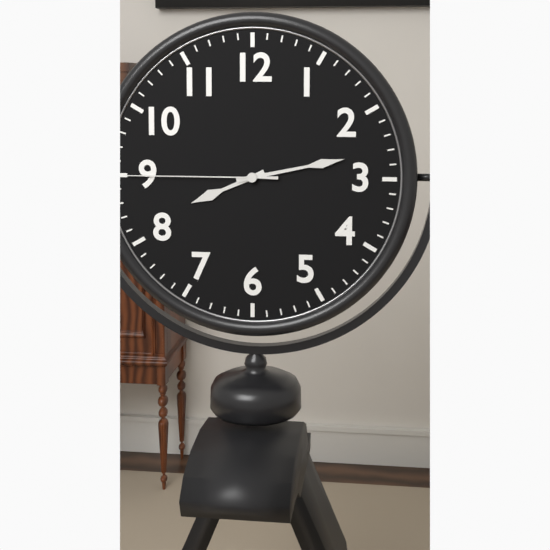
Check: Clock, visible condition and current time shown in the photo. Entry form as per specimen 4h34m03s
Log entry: 8h13m45s
